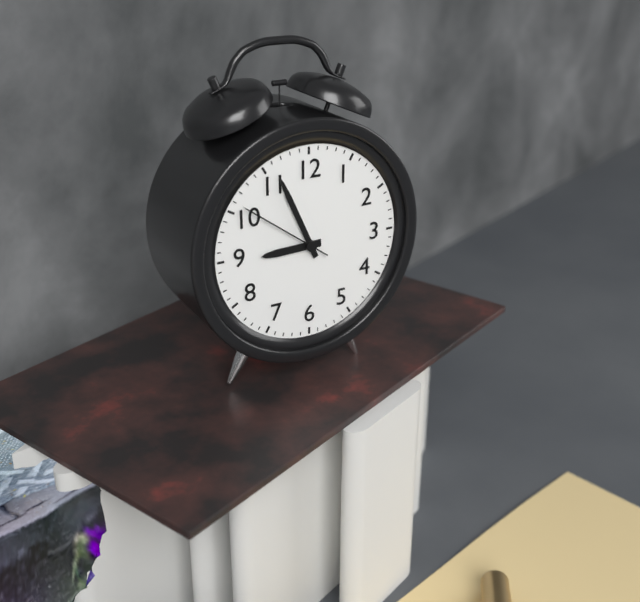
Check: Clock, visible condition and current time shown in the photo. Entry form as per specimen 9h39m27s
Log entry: 8h56m51s
